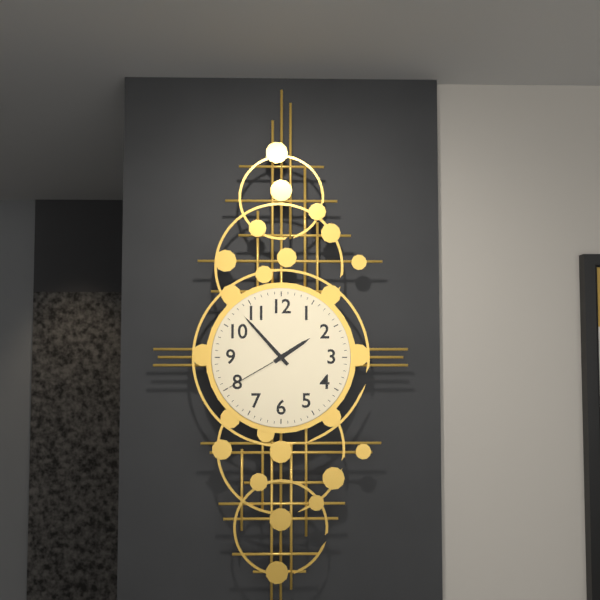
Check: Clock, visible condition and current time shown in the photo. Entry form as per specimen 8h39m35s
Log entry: 1h53m40s
